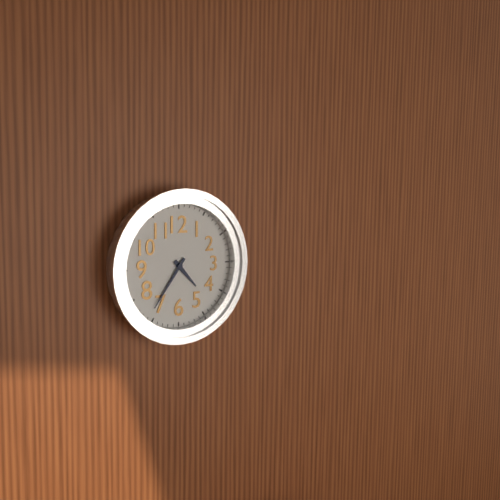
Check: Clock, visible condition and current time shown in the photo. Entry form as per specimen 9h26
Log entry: 4h36
